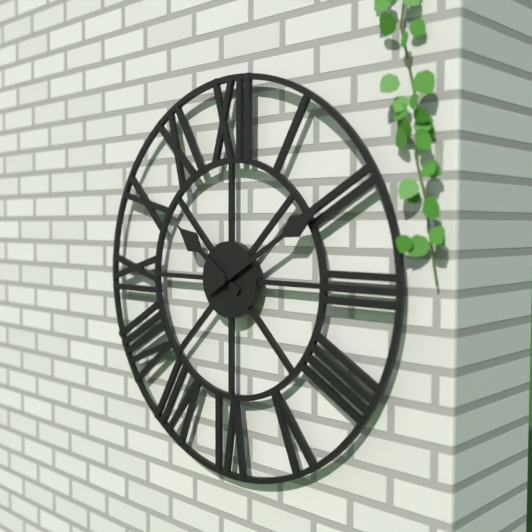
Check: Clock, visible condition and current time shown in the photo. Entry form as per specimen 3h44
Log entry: 10h10
